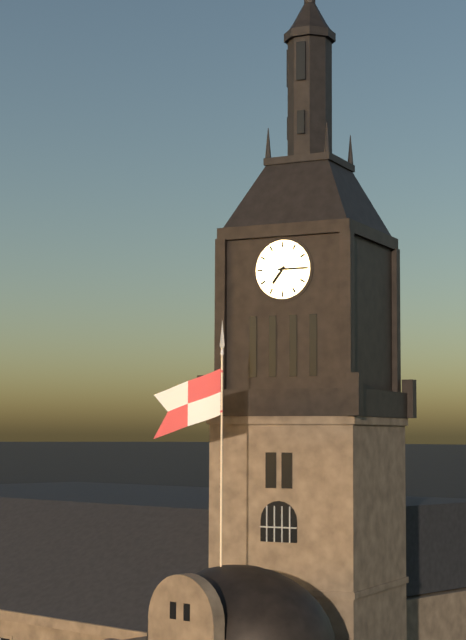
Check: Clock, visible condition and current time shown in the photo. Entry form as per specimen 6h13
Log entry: 7h15
